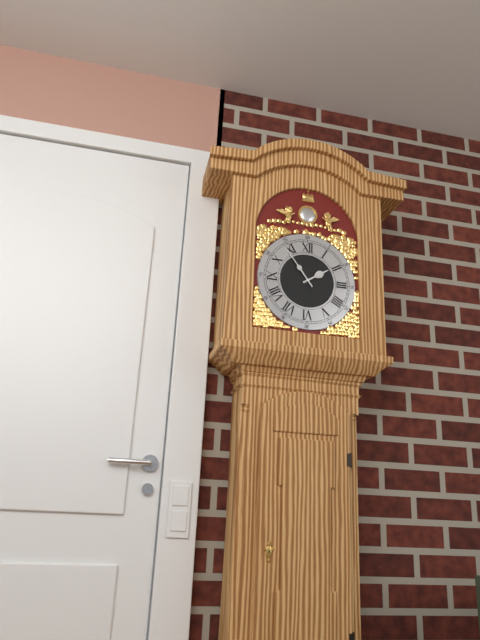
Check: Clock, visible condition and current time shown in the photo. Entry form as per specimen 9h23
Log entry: 1h54
